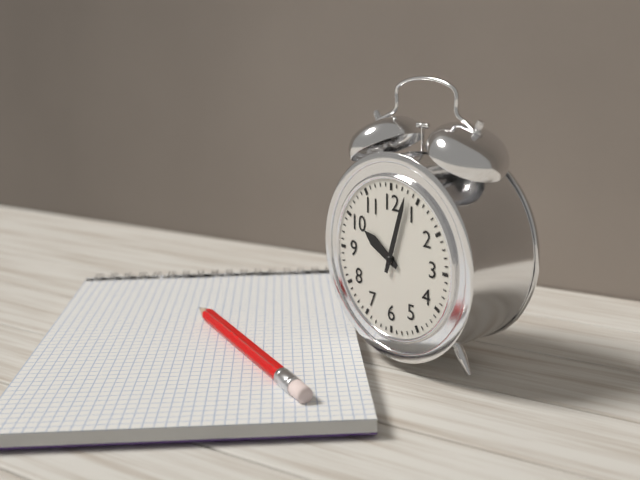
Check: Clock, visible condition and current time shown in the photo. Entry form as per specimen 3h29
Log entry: 10h03
